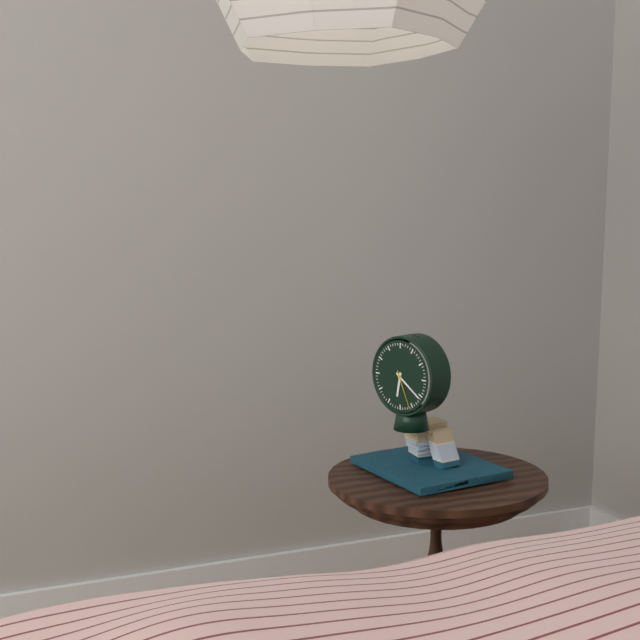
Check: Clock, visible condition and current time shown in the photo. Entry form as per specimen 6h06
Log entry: 6h21
